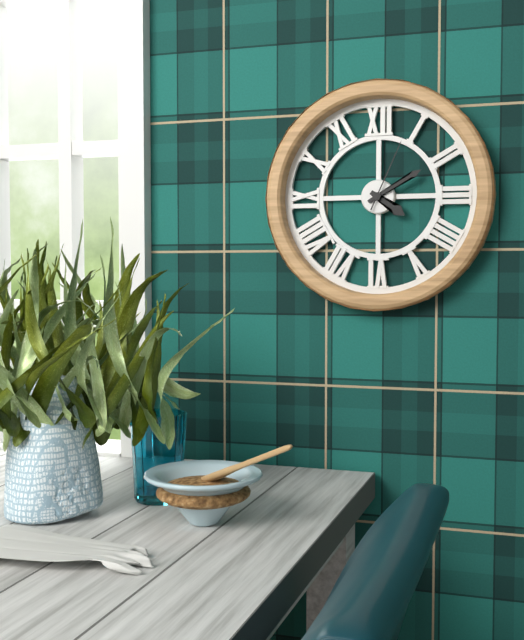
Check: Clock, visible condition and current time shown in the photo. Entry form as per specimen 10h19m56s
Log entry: 4h10m04s
